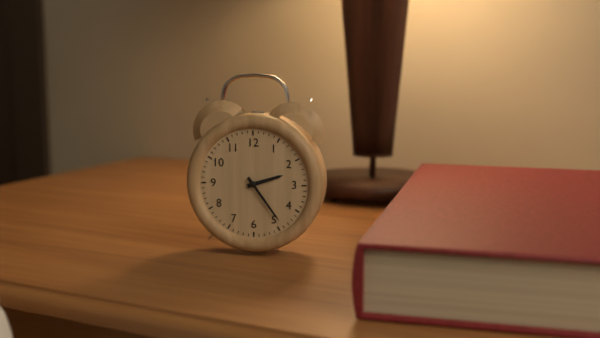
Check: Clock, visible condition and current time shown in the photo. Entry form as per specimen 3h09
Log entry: 2h24
